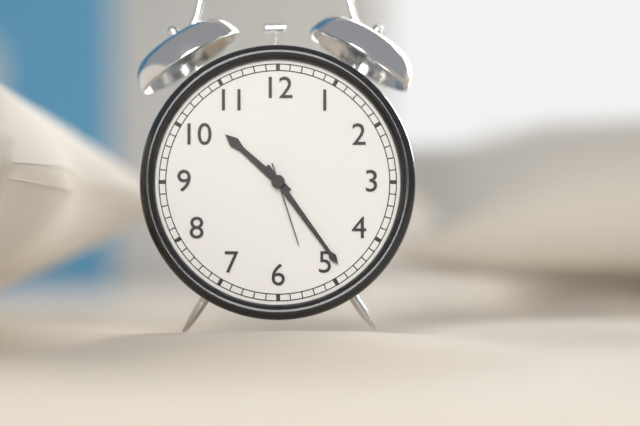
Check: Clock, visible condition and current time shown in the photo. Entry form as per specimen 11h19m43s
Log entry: 10h24m27s
